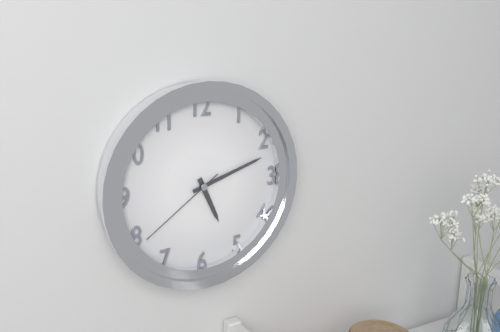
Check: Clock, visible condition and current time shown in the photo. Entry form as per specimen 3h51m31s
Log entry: 5h12m39s
